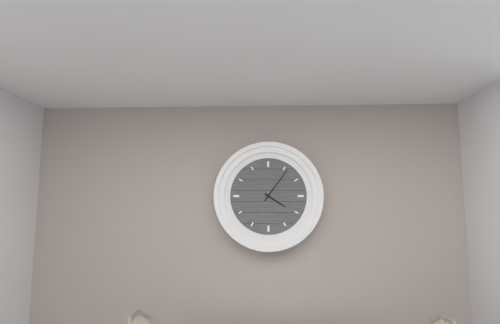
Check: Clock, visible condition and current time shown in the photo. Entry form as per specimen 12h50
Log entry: 4h06
